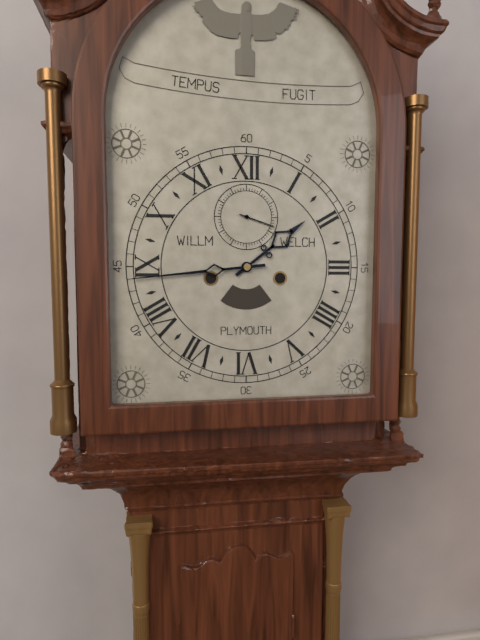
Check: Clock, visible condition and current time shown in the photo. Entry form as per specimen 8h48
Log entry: 1h44
